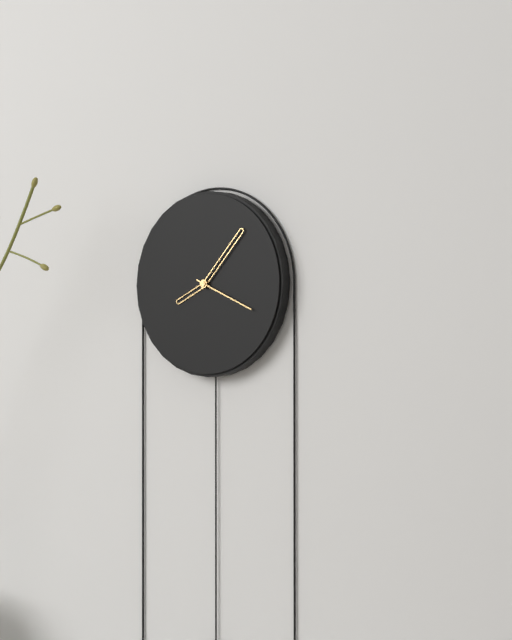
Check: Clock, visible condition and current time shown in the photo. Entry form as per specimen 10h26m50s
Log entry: 8h07m19s
